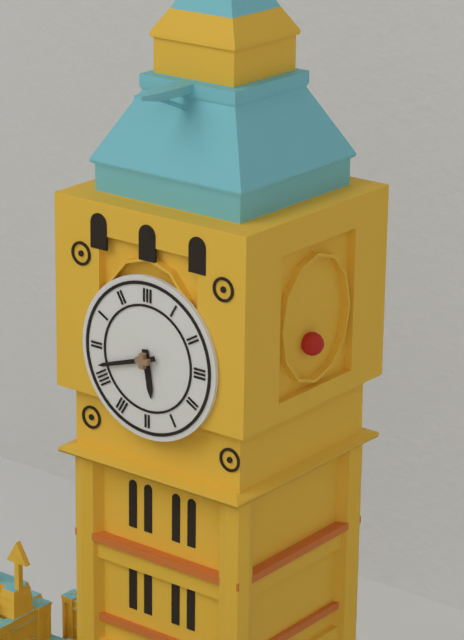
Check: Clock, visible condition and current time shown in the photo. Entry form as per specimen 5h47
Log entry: 5h42
